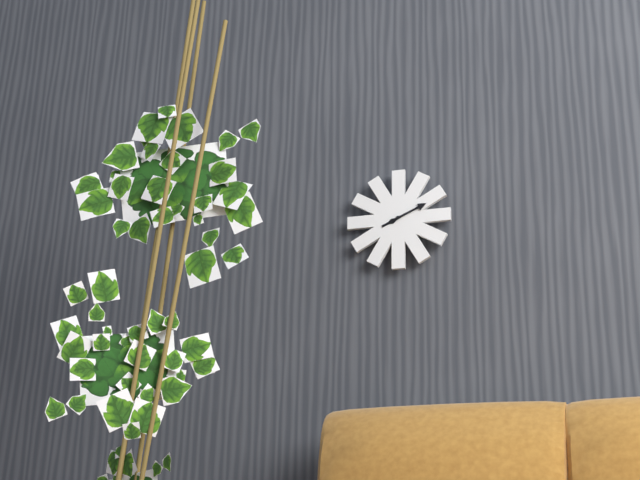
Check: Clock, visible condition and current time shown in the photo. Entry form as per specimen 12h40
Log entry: 8h11
